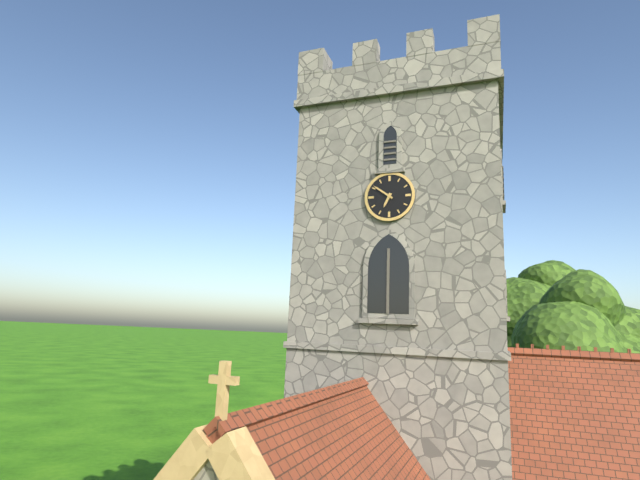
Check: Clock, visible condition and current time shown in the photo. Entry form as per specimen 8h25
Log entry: 6h51
